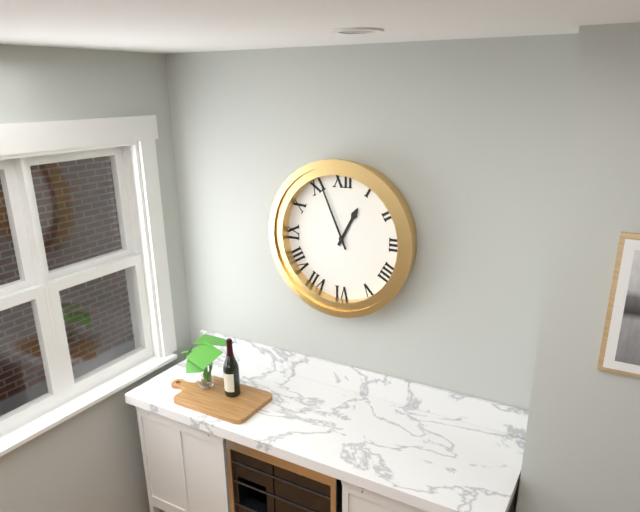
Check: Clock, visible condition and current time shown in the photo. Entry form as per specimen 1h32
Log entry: 12h56
